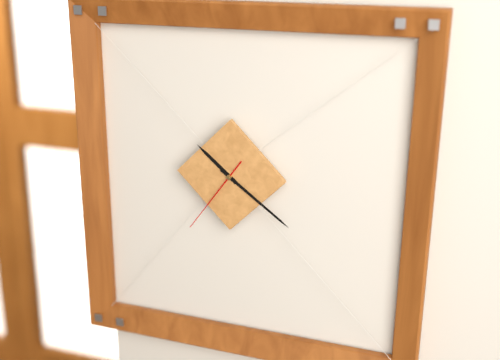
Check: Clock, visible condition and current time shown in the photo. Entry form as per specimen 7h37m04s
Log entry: 10h21m36s
